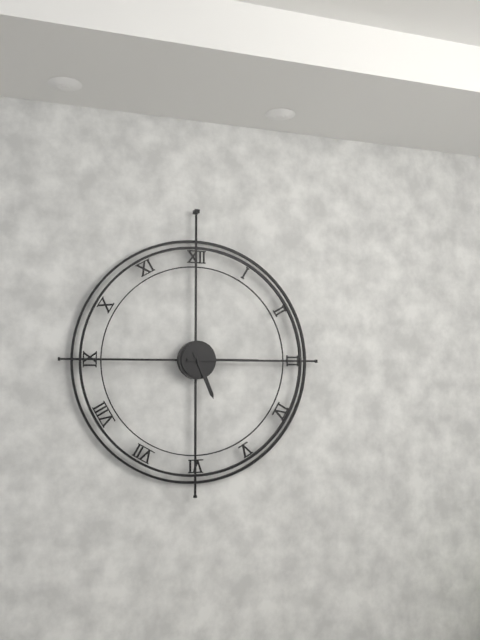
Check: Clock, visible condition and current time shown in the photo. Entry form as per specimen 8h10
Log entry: 5h15
